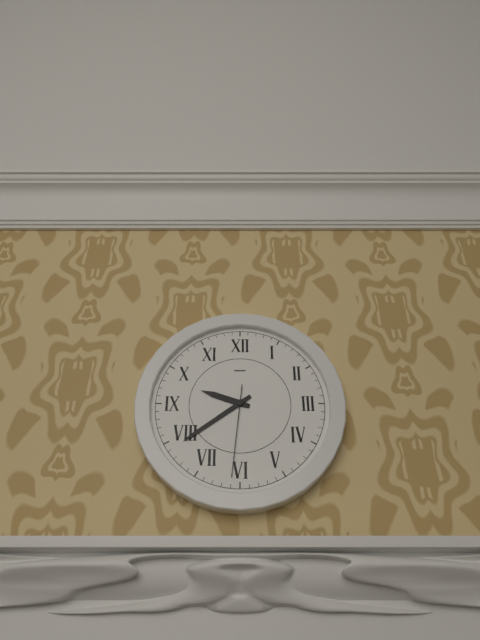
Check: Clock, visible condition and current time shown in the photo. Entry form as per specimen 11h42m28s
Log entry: 9h39m31s
